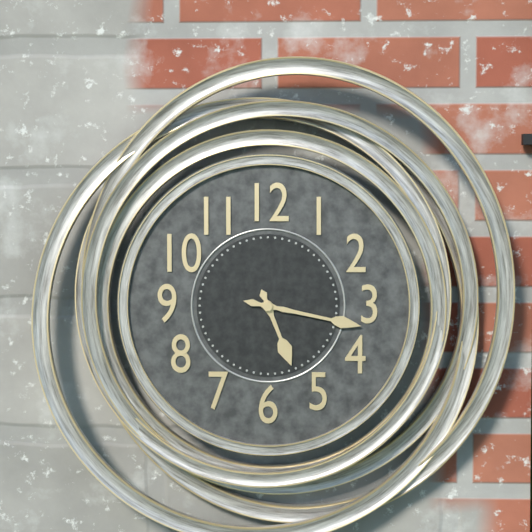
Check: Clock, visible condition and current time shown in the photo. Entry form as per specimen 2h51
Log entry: 5h17
